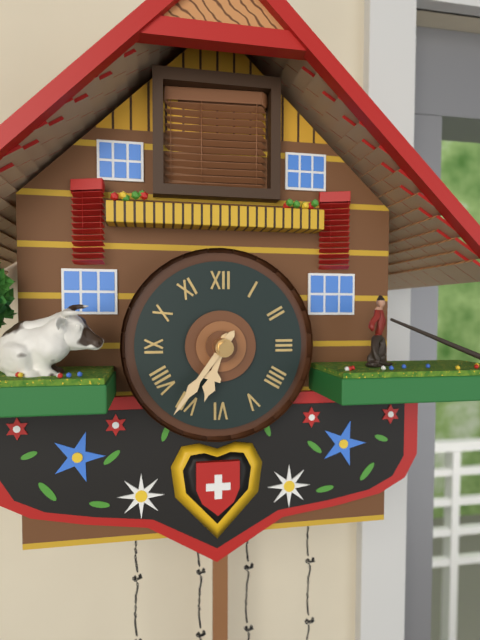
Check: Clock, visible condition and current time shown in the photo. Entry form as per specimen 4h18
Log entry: 6h36
